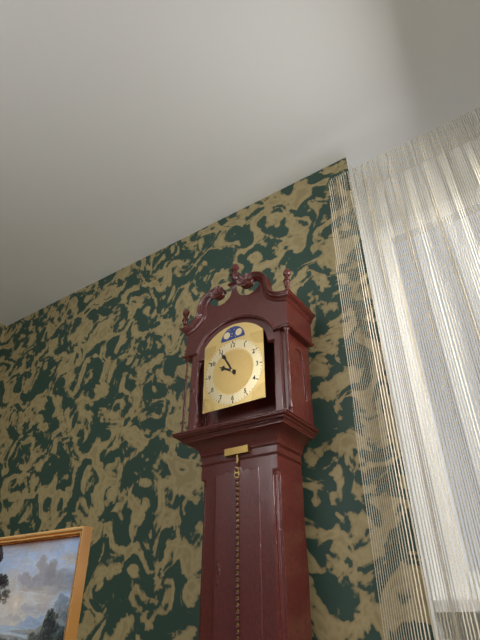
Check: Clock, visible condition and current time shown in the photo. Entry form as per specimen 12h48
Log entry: 9h55
